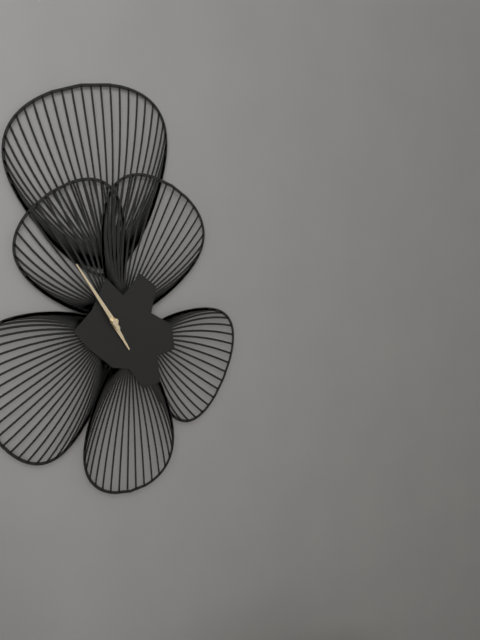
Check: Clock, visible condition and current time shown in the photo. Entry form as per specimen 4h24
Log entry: 4h54
